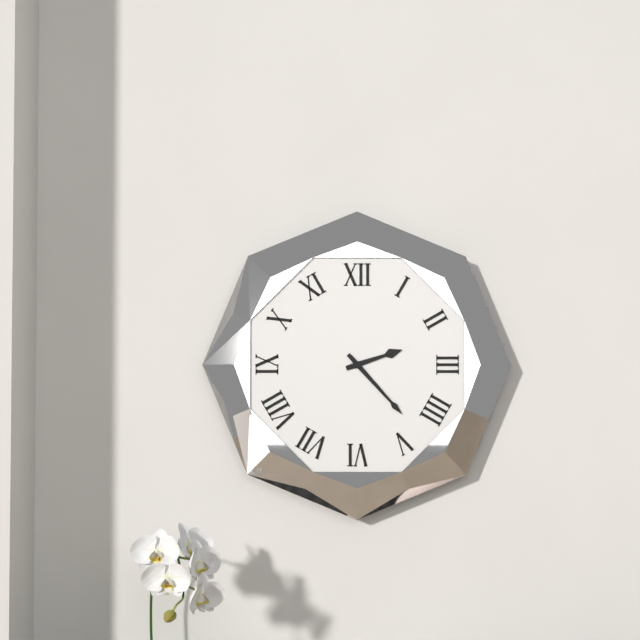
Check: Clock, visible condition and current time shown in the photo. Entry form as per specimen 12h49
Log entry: 2h23
